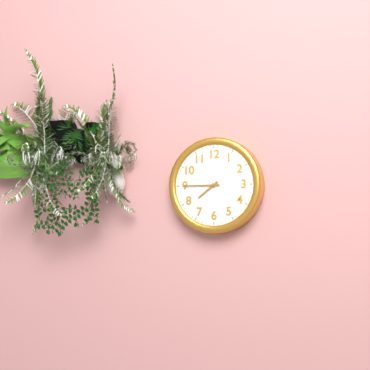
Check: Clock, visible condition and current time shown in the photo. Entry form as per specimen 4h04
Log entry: 7h45
